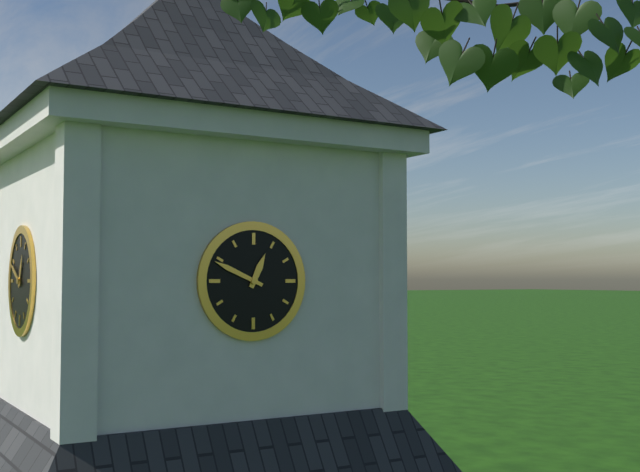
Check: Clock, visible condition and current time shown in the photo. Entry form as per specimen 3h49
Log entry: 12h49
